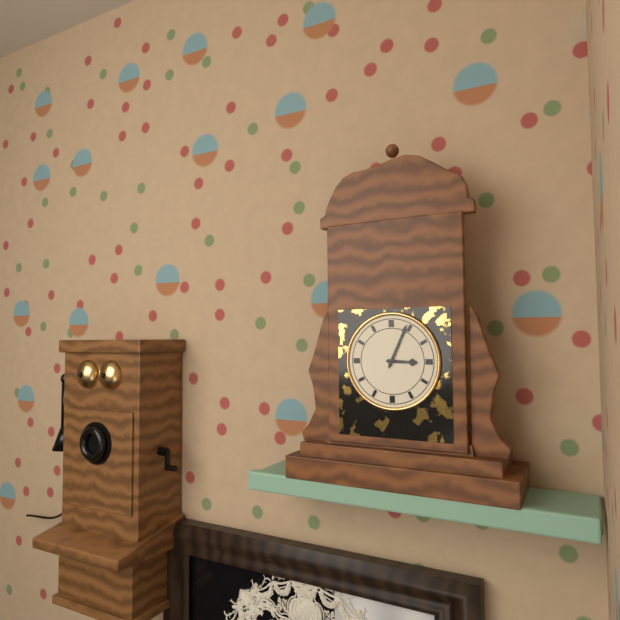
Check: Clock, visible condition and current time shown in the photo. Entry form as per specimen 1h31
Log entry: 3h04
